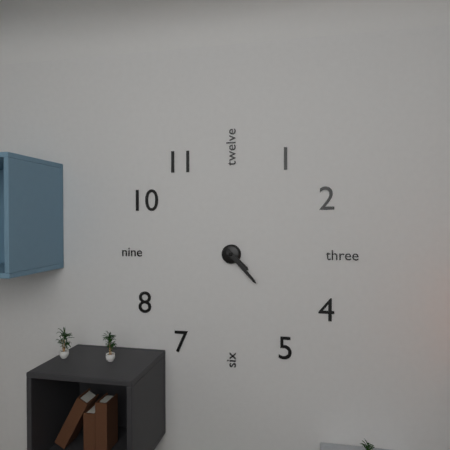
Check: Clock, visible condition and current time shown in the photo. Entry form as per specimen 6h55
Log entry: 4h23
